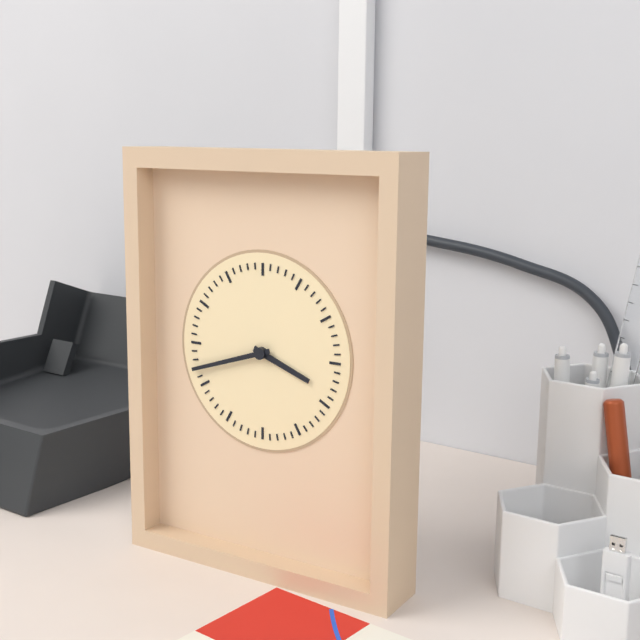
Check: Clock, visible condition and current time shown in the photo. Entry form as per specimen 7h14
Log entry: 3h42
